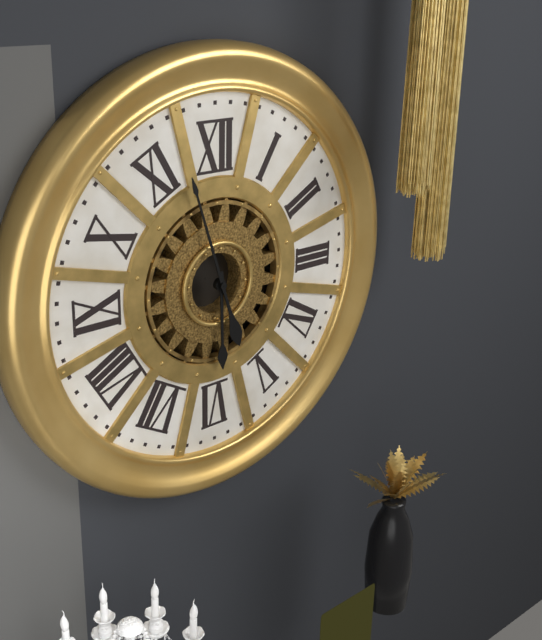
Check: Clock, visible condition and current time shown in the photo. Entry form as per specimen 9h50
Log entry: 5h57
